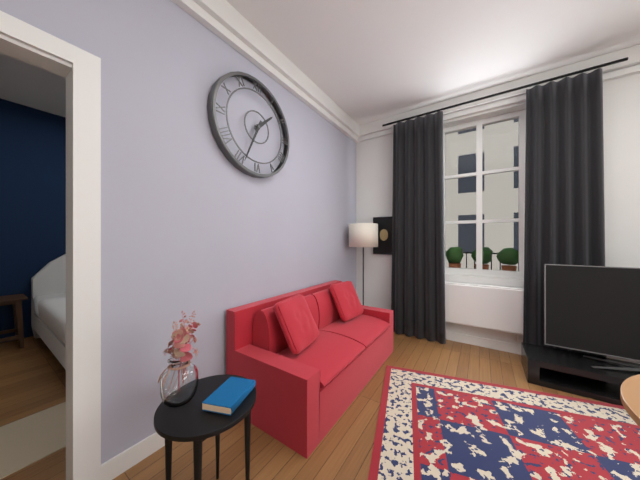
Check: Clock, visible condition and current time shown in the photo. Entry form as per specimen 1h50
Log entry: 1h34
